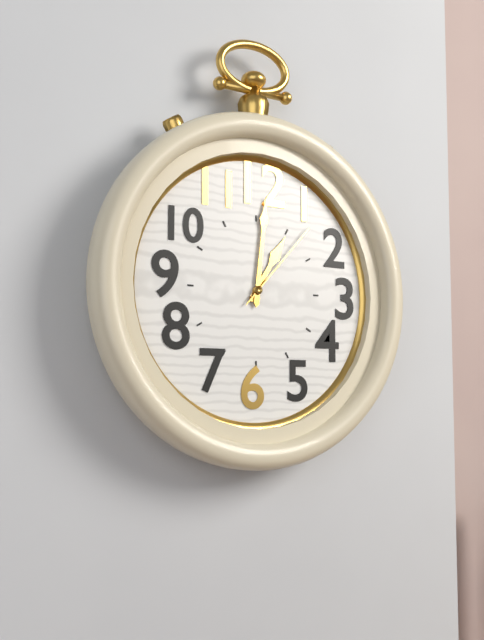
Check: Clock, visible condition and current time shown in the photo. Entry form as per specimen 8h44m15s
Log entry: 1h01m07s
